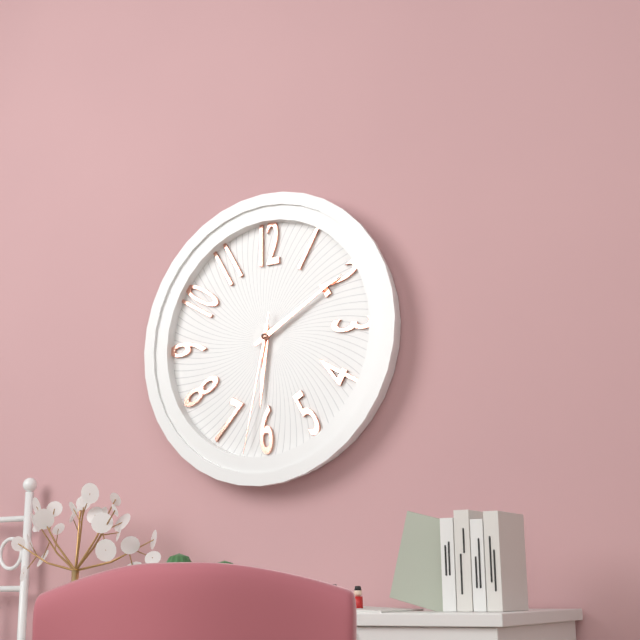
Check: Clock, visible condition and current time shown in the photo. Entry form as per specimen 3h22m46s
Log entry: 6h10m32s
